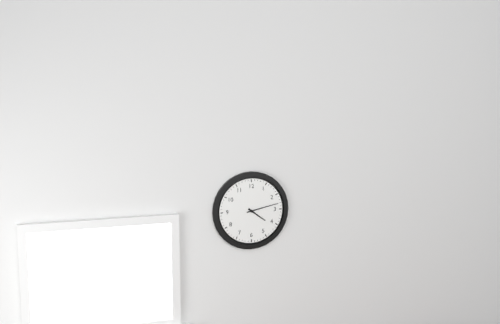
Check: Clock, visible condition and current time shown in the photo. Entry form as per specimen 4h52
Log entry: 4h13
